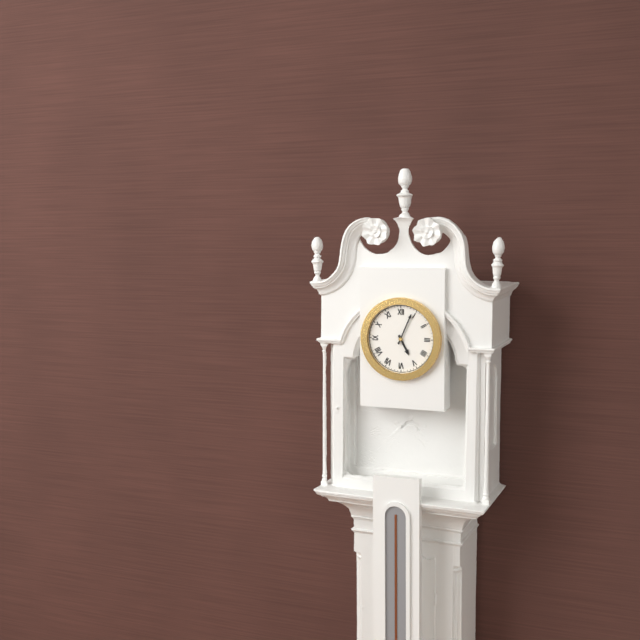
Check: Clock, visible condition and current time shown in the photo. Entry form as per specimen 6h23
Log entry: 5h04
